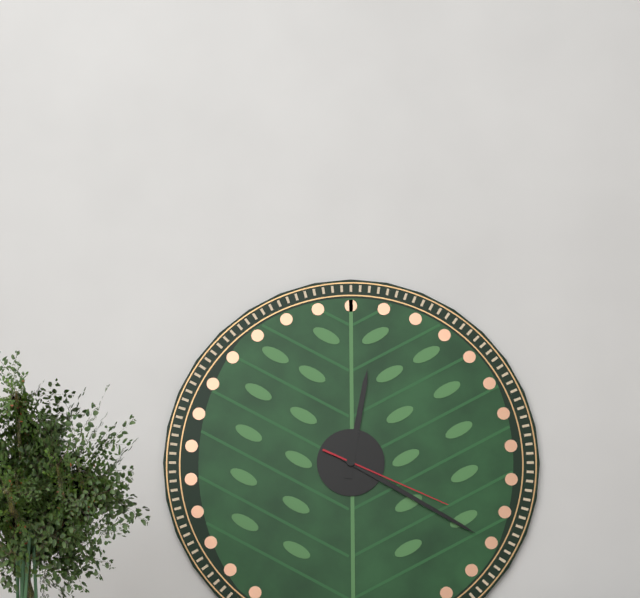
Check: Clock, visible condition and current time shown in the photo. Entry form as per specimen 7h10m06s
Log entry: 12h20m19s
